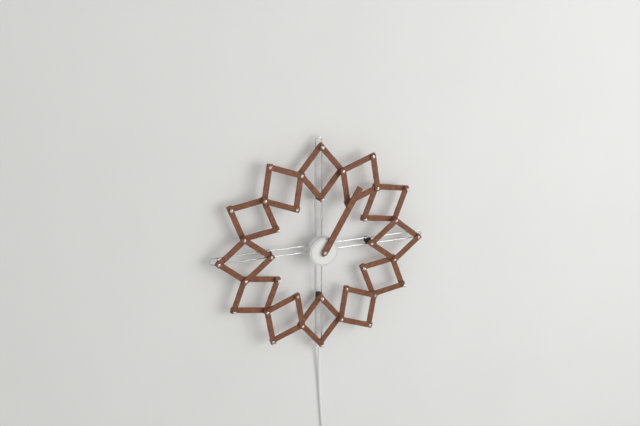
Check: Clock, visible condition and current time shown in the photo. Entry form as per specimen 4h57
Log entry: 1h05
